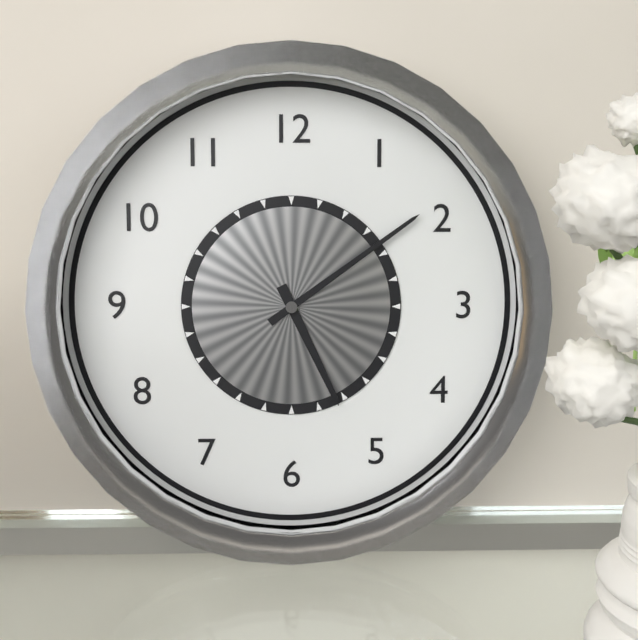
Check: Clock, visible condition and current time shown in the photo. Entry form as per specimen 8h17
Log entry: 5h09
